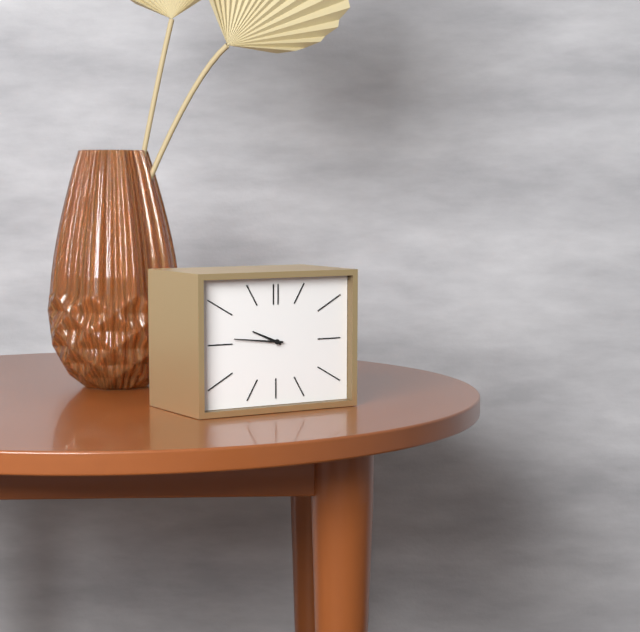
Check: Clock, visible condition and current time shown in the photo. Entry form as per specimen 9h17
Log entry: 9h46
